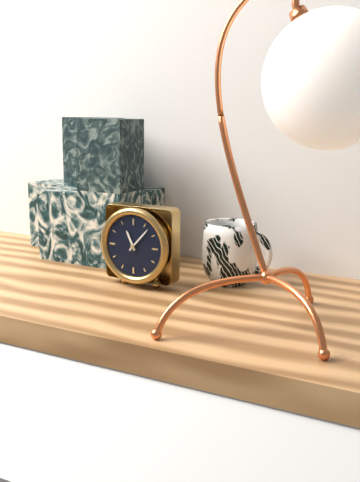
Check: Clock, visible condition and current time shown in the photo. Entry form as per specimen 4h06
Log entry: 11h07
